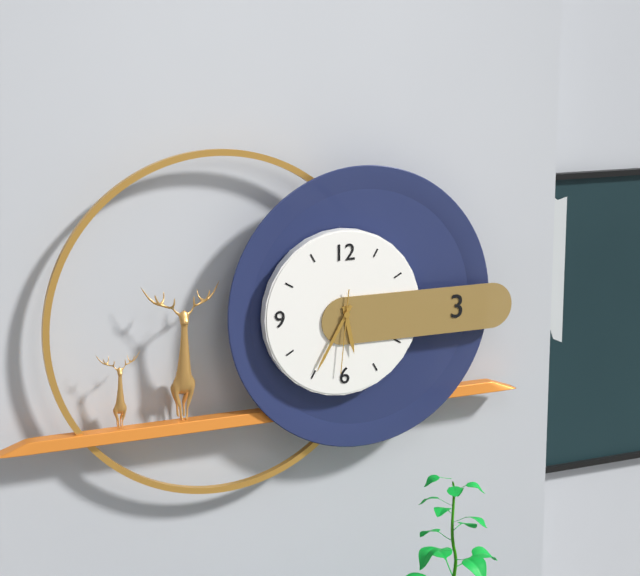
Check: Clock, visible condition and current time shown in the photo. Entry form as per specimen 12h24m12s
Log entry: 5h35m31s
